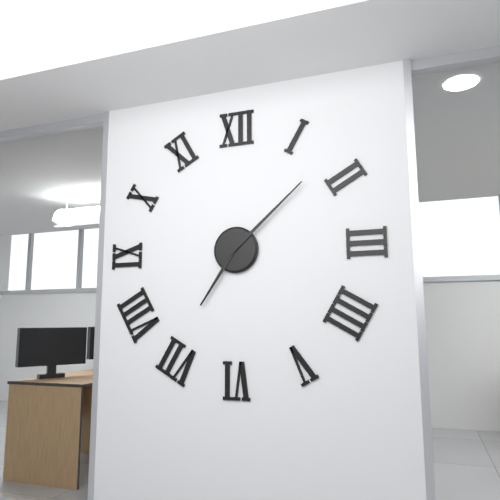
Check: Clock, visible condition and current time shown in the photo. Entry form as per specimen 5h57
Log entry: 7h08
